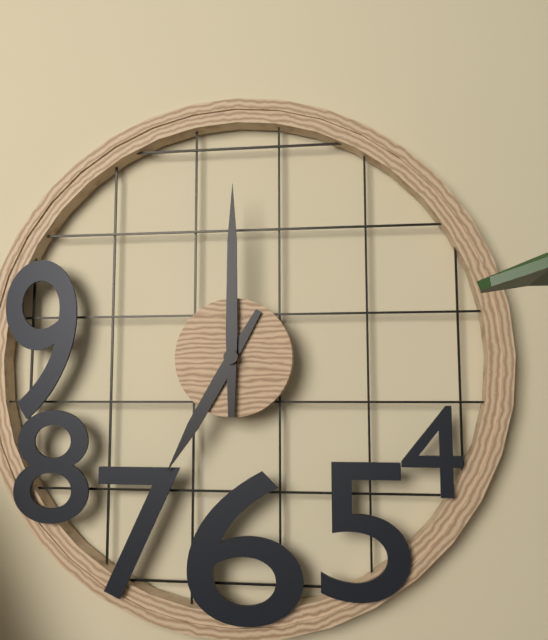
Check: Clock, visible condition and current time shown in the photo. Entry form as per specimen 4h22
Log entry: 7h00
